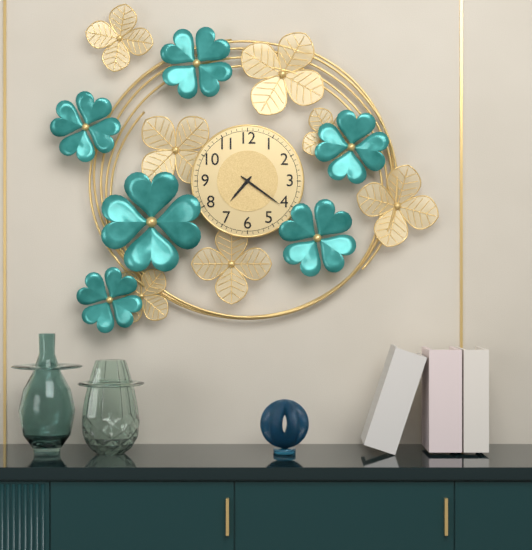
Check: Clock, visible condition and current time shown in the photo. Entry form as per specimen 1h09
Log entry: 7h21
